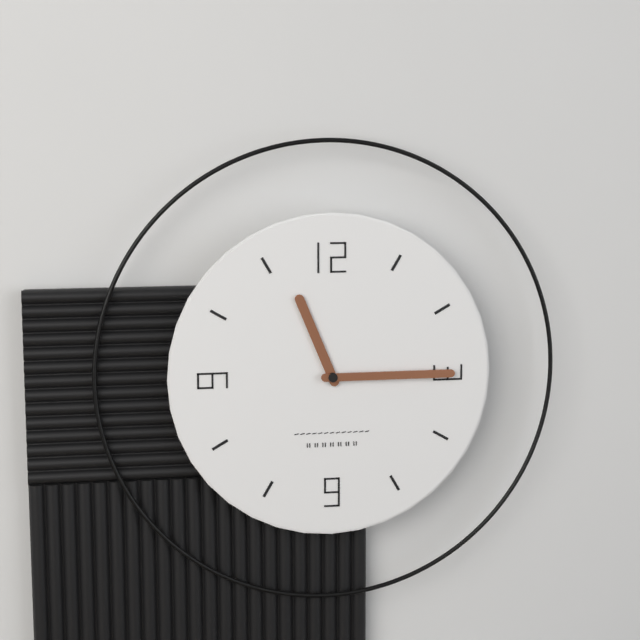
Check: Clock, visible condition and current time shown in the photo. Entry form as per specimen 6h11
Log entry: 11h15
